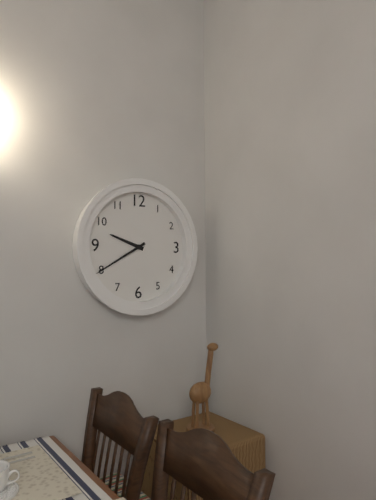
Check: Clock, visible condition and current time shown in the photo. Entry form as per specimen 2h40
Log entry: 9h40
